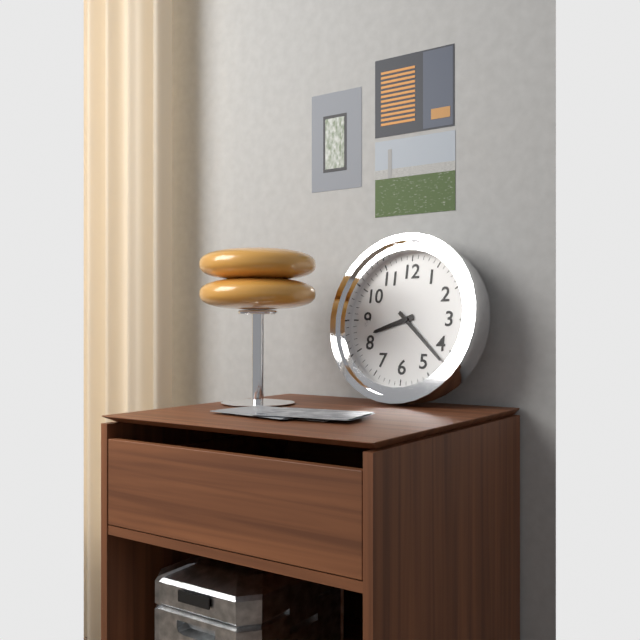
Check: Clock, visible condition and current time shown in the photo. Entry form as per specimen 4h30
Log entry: 8h22
